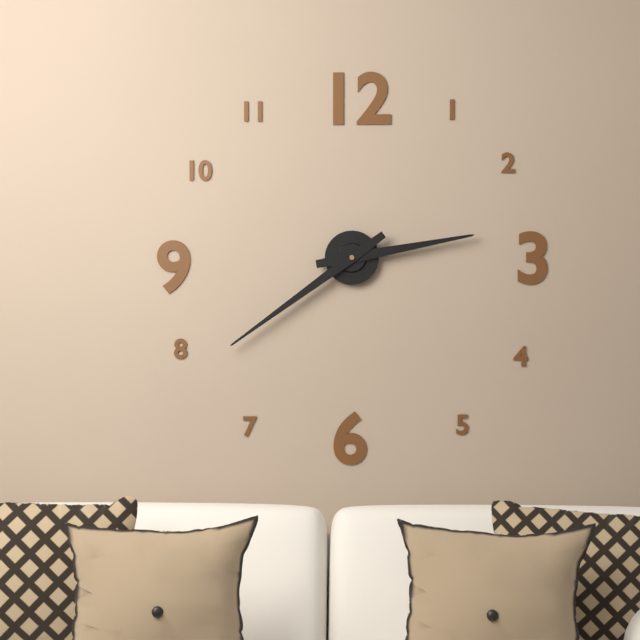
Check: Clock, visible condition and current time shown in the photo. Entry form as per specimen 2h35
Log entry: 2h39
